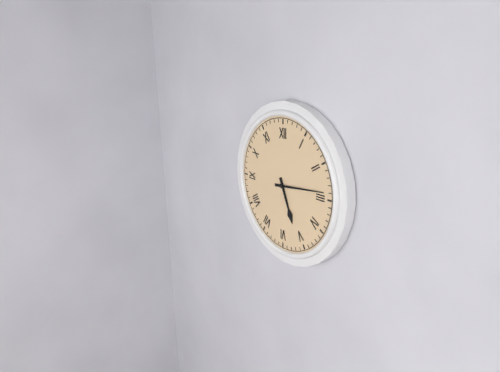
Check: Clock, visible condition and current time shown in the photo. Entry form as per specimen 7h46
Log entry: 5h14
